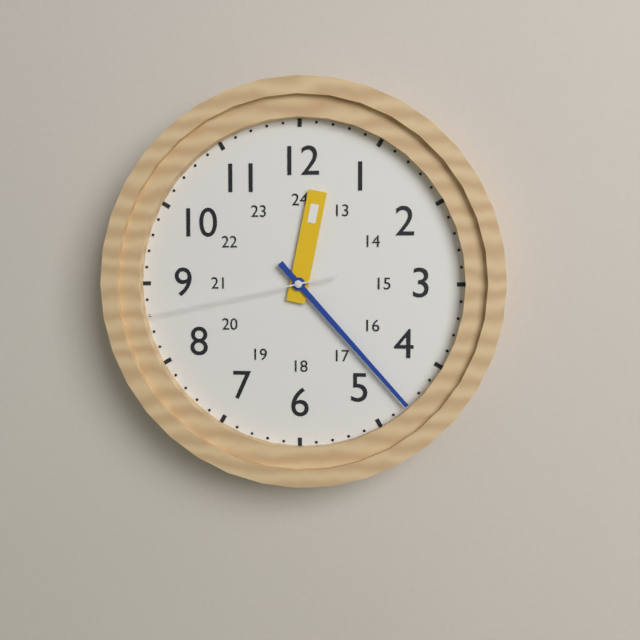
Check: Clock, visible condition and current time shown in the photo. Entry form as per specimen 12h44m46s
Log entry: 12h23m43s
